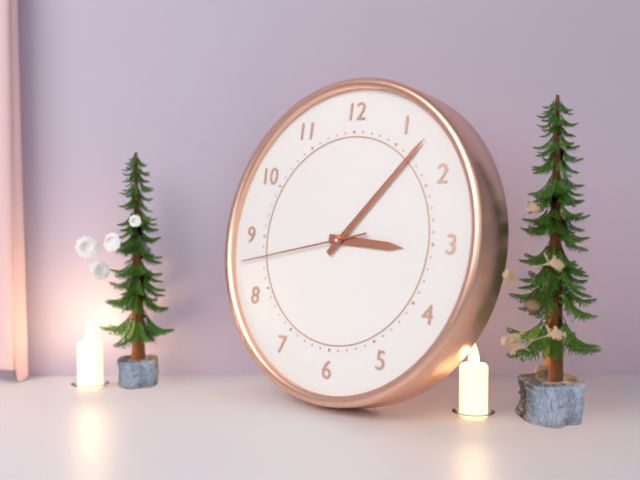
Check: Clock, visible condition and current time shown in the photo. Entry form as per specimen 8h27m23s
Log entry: 3h07m43s
